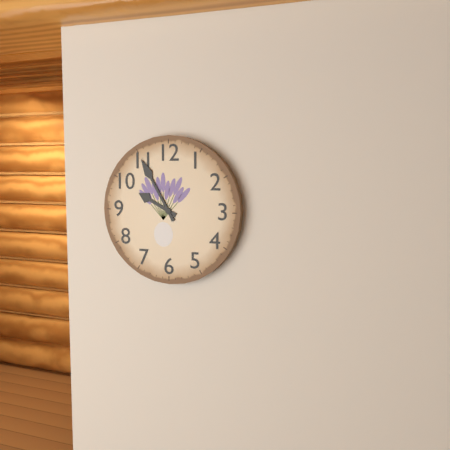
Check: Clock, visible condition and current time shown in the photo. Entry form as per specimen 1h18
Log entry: 9h55
